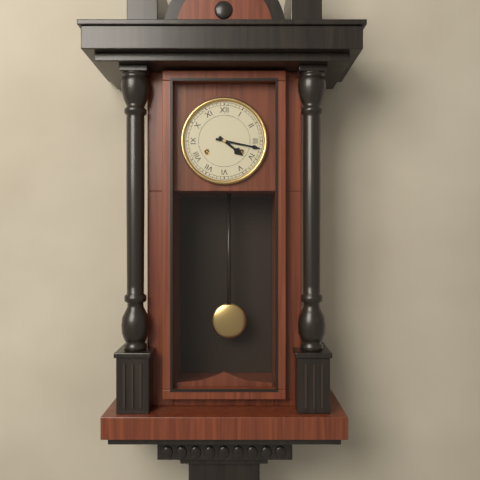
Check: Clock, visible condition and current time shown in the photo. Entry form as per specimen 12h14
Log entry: 4h17
